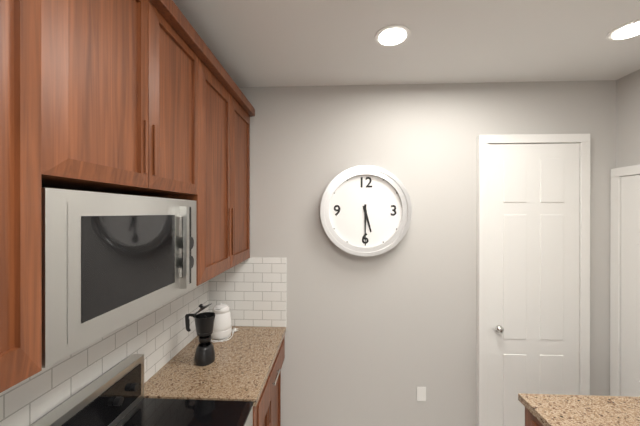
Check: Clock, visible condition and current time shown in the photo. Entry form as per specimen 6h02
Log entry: 5h30
